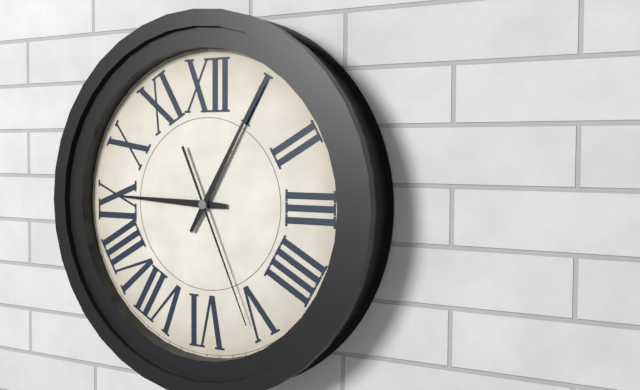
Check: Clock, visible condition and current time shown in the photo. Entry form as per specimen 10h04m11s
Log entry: 9h05m26s
